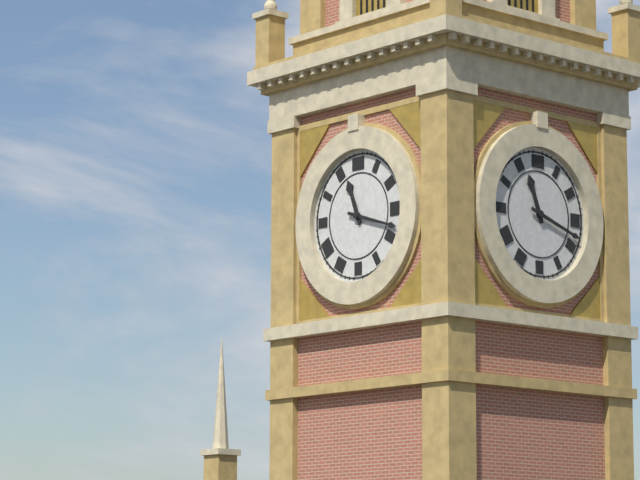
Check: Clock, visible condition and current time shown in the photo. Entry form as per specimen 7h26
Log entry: 11h18
